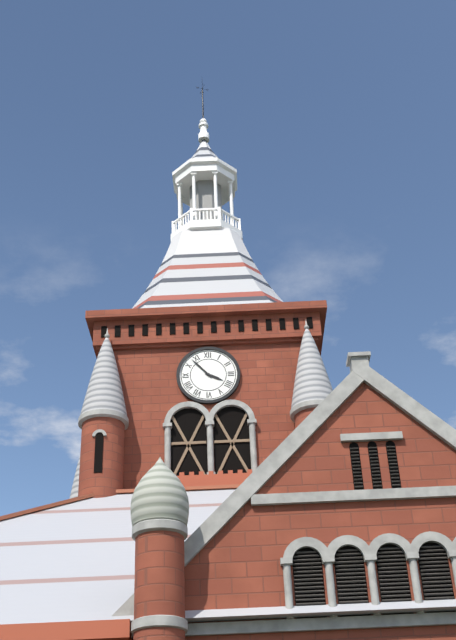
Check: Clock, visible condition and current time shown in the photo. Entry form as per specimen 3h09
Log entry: 3h53
